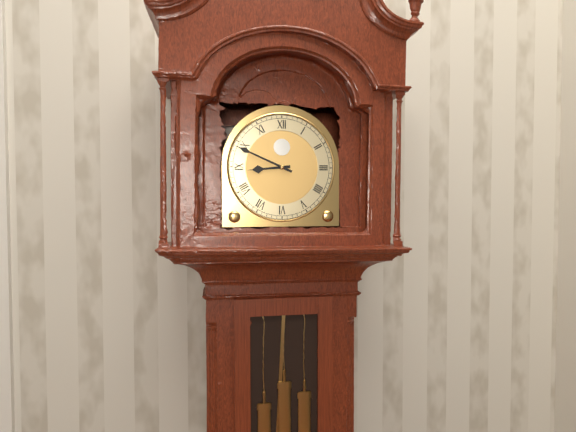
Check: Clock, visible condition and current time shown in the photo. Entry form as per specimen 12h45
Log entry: 8h49
